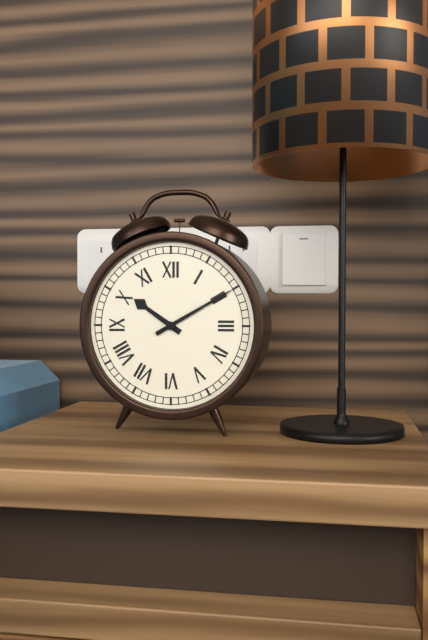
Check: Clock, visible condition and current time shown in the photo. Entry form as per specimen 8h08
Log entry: 10h10
